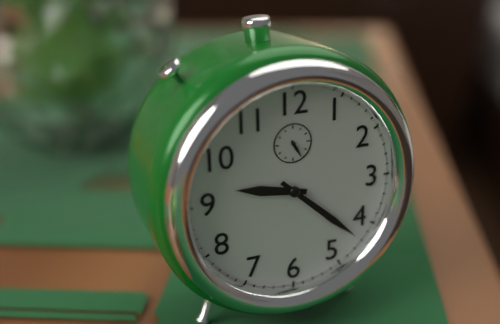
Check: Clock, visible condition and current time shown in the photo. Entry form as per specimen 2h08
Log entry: 9h22
